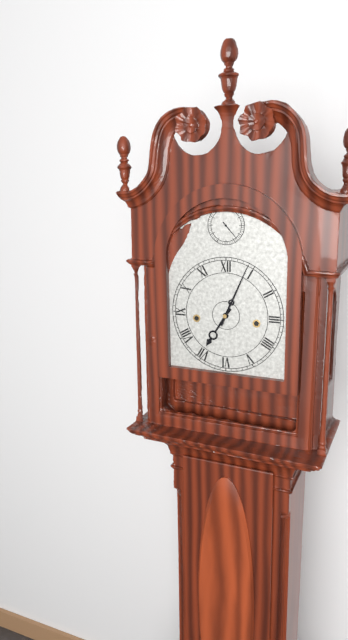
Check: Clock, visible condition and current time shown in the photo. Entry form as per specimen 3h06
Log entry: 7h04
